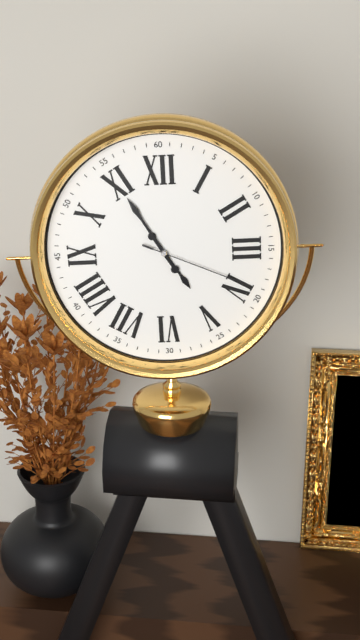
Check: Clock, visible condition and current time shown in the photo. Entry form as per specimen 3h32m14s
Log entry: 4h55m19s
